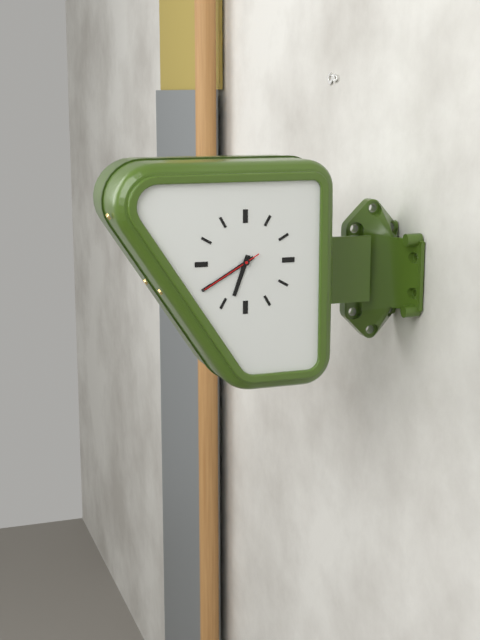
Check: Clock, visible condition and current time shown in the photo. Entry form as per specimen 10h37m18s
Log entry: 6h40m40s
